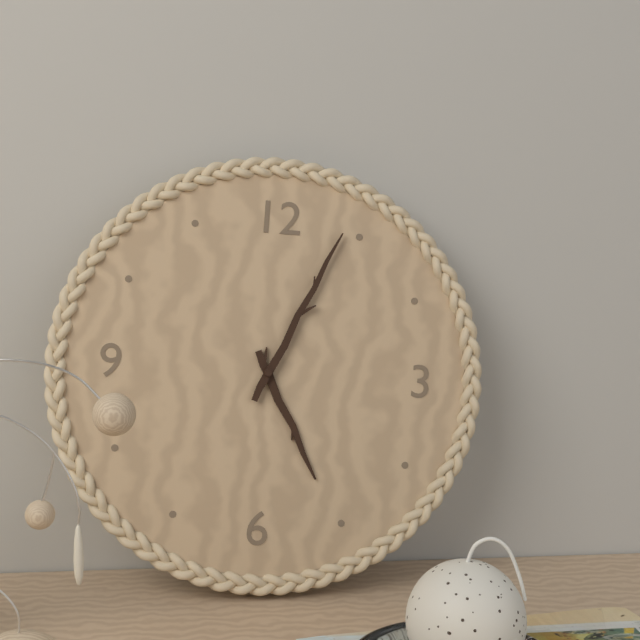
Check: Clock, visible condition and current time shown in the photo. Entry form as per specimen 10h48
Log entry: 5h04
